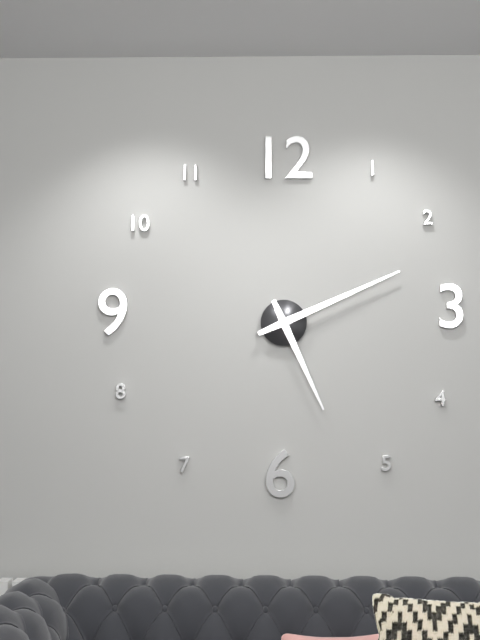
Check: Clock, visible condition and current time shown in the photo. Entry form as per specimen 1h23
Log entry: 5h11
